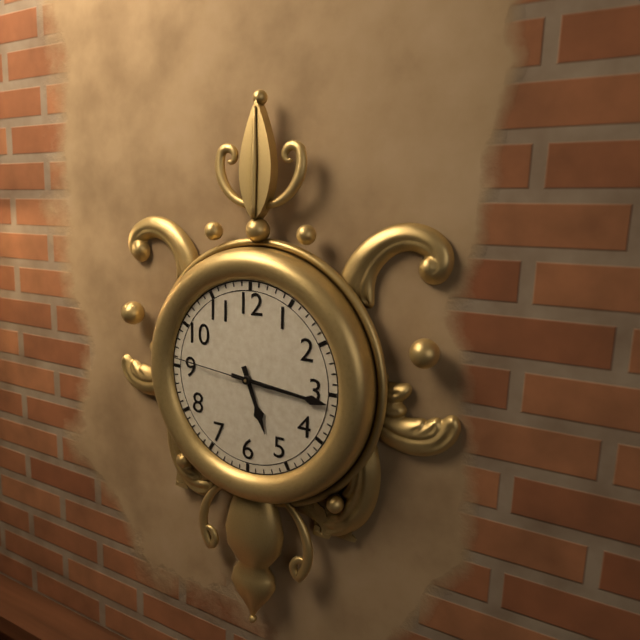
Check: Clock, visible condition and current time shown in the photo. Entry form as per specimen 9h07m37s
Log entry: 5h16m46s
